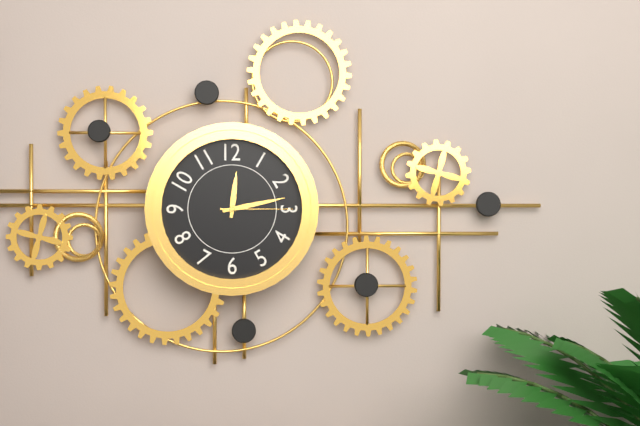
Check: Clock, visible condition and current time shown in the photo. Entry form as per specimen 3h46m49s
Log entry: 12h13m15s
